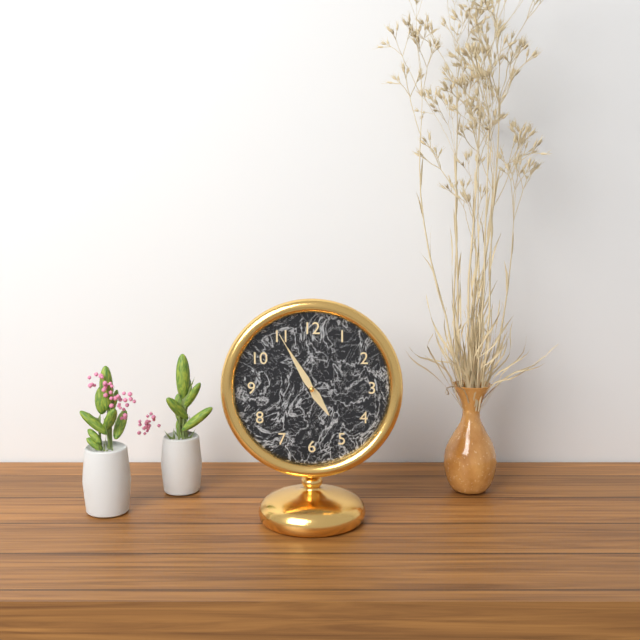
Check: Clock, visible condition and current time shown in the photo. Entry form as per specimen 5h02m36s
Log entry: 4h55m55s
